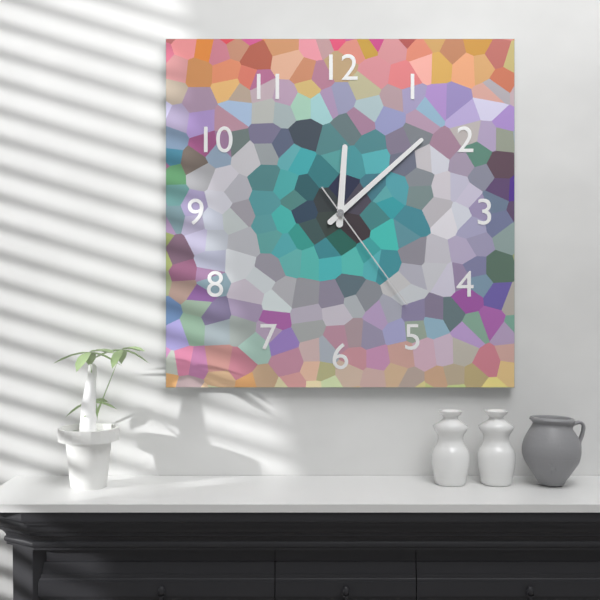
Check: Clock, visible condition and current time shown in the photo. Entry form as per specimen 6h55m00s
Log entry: 12h08m24s
